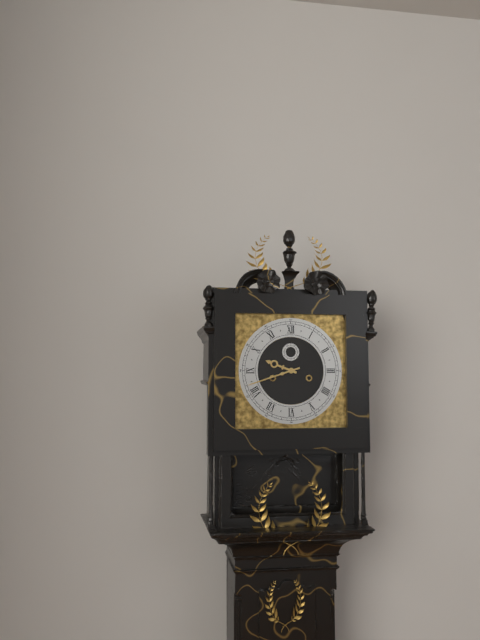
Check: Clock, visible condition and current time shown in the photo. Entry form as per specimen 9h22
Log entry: 9h42
